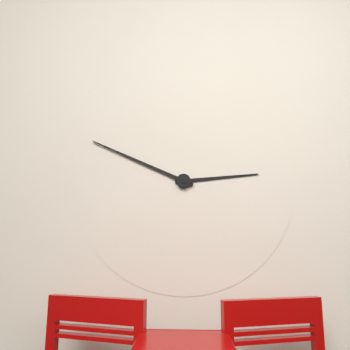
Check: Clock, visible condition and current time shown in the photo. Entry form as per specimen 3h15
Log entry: 2h49
